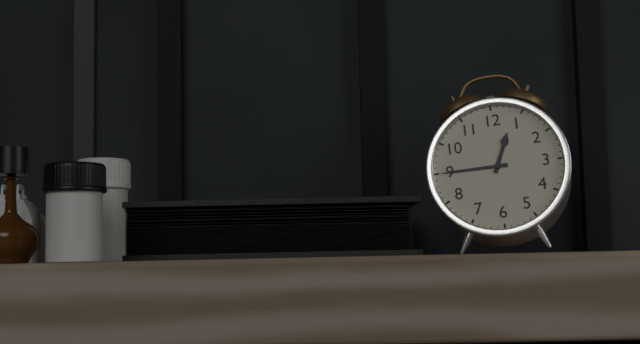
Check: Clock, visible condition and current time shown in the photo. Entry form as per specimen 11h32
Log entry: 12h45
